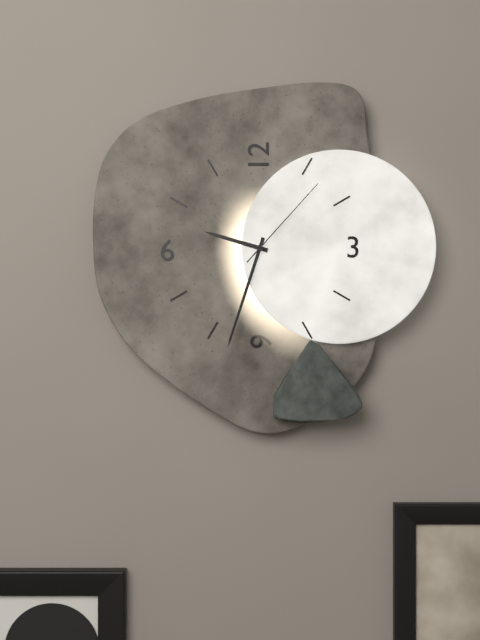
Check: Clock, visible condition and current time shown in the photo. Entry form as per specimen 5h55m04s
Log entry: 9h33m07s
